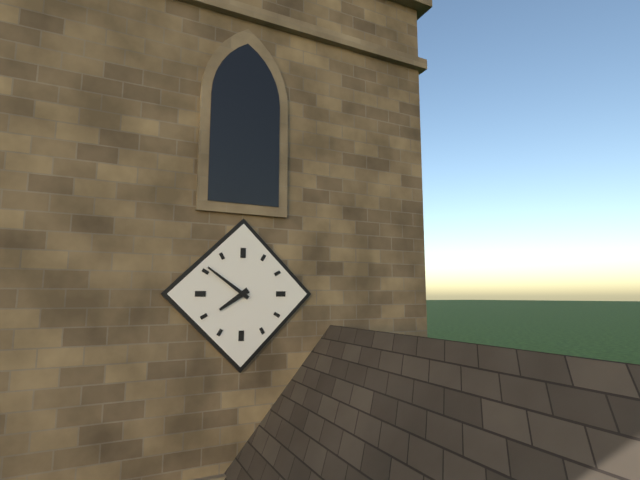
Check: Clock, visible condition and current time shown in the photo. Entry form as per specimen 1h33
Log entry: 7h51
